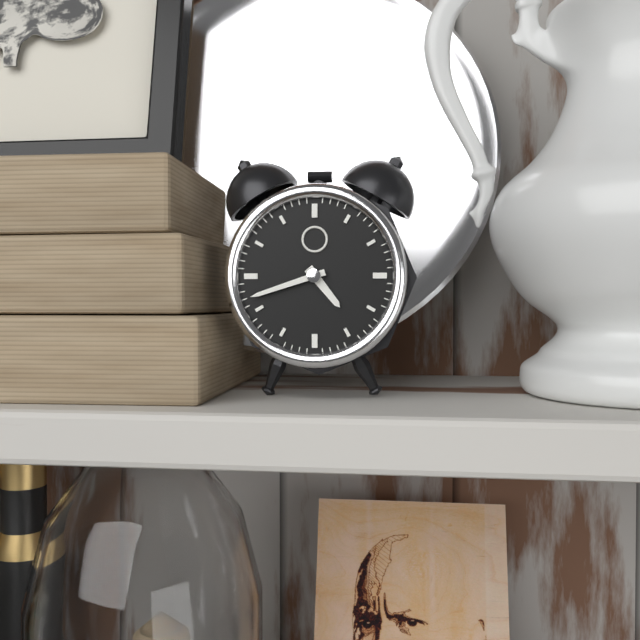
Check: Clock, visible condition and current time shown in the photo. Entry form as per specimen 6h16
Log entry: 4h42
